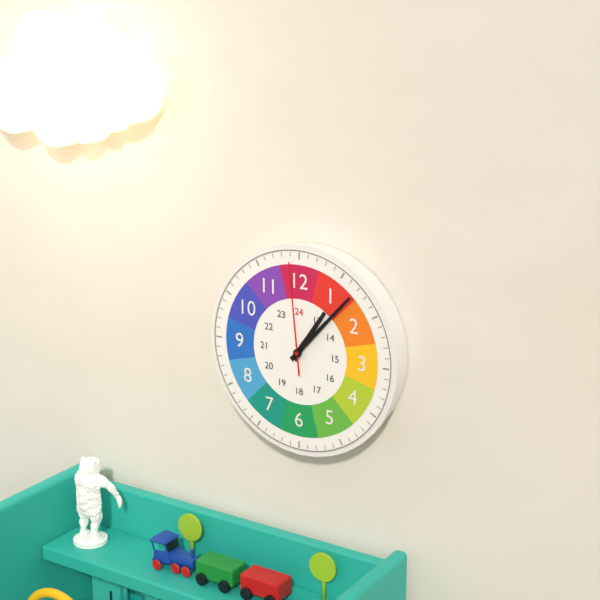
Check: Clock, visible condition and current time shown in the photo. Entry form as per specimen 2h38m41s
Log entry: 1h07m59s
